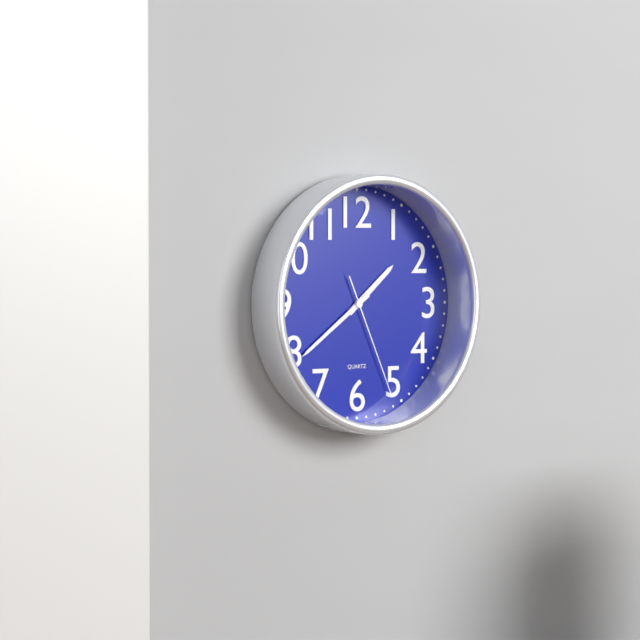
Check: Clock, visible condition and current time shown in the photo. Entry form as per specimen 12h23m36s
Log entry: 1h39m26s
